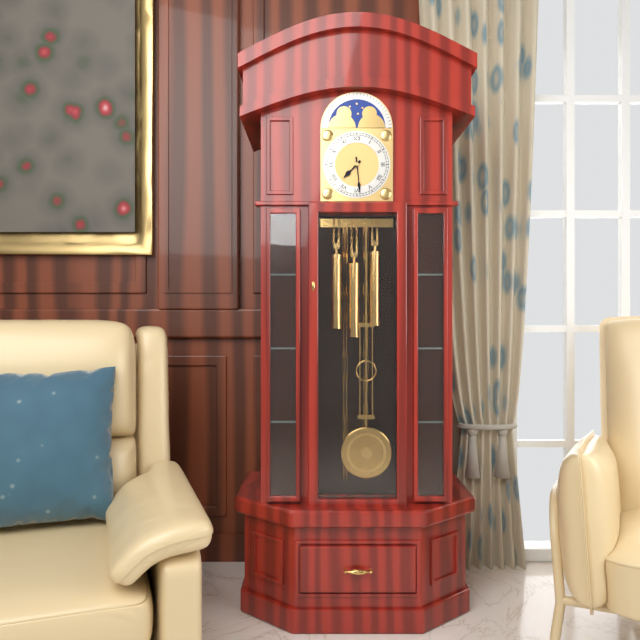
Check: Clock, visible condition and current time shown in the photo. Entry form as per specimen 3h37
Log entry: 7h29
